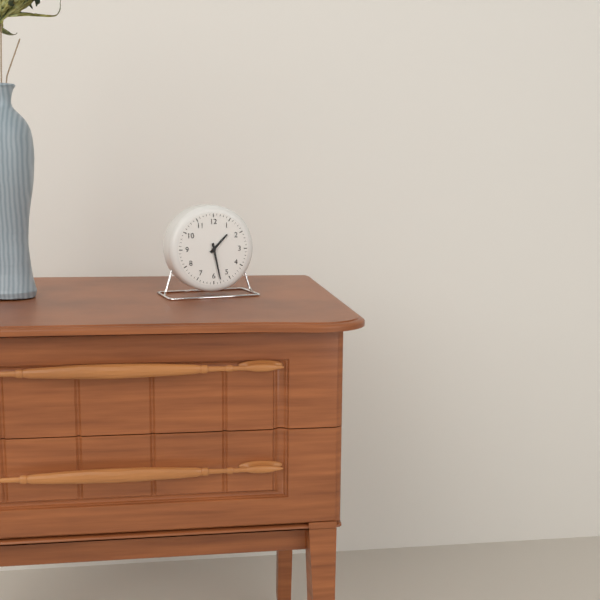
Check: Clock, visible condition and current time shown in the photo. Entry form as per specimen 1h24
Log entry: 1h28
